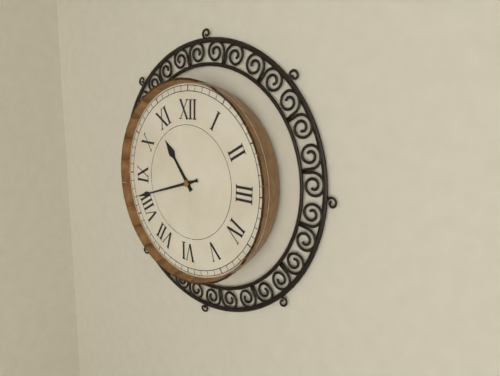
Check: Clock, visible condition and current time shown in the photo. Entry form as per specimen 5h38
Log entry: 10h42
